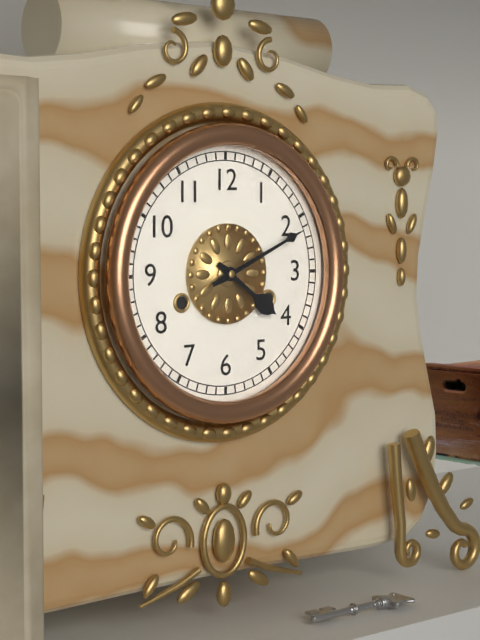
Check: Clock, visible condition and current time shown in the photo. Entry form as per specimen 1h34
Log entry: 4h11
